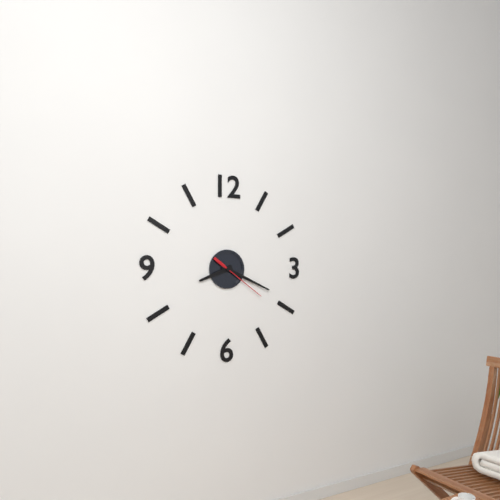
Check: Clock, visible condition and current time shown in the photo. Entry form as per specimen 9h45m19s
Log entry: 8h19m21s
